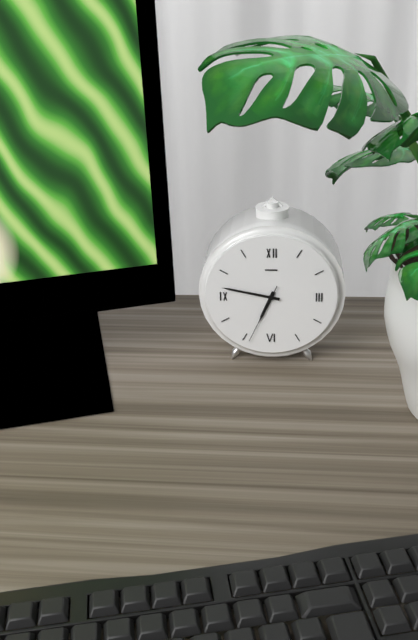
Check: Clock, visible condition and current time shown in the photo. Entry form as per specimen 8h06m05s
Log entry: 6h47m34s
